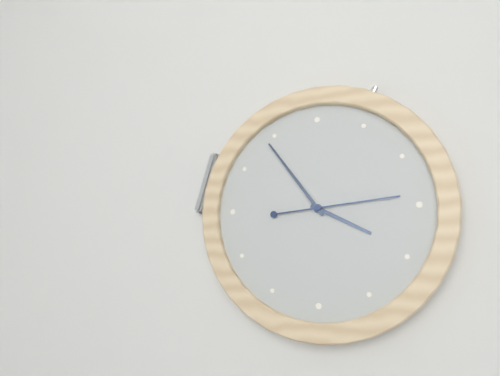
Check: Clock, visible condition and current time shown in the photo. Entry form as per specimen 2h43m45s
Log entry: 3h54m14s
